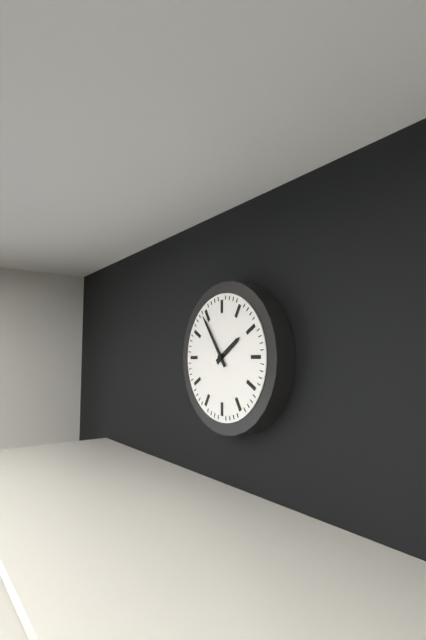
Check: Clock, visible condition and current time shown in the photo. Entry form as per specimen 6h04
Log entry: 1h54
